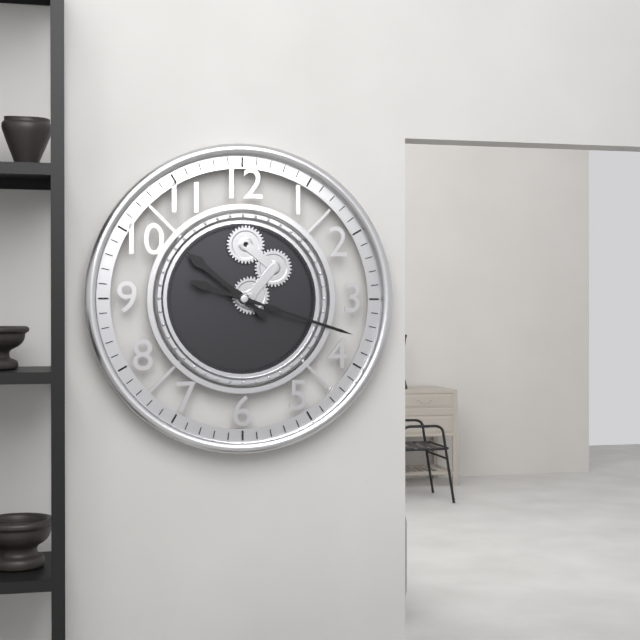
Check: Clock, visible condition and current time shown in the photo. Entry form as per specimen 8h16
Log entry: 10h18
